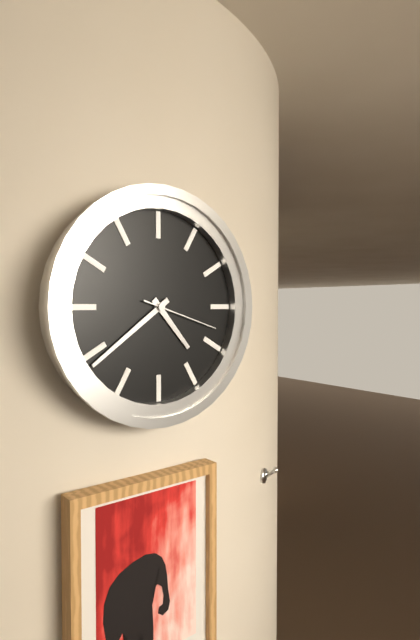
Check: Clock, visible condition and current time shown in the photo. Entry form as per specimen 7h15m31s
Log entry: 4h39m18s
